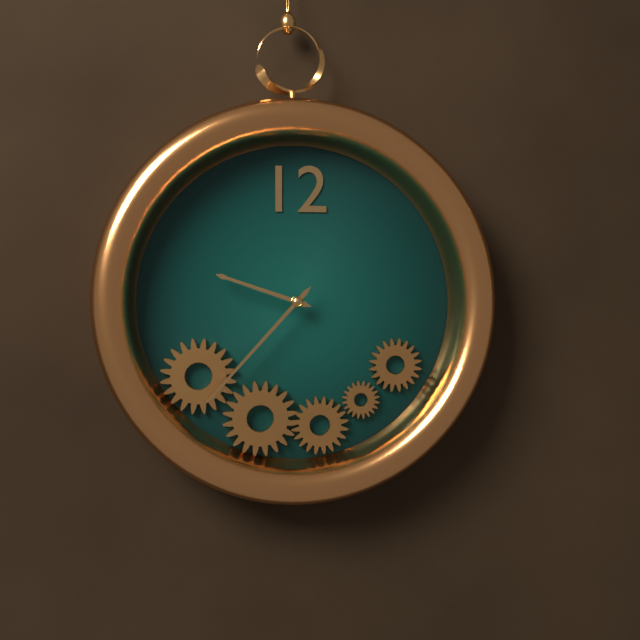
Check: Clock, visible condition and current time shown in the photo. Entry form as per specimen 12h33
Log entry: 9h37
